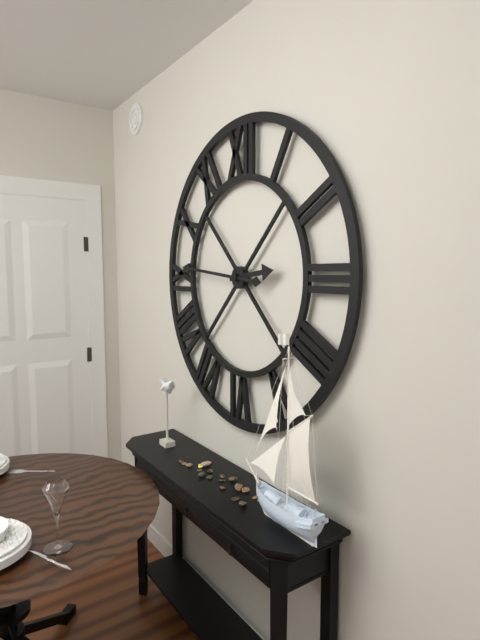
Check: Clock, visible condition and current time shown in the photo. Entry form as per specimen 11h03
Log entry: 2h46
